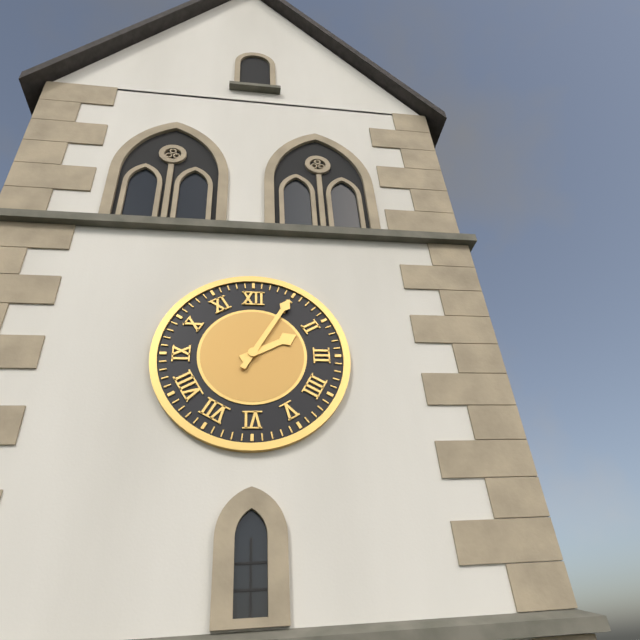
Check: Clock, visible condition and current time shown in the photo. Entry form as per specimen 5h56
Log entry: 2h05
